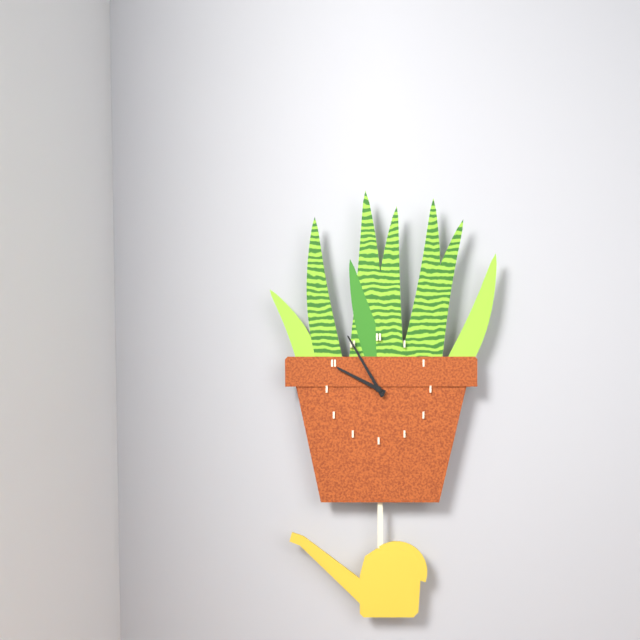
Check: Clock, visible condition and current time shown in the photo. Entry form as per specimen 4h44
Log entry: 9h55
